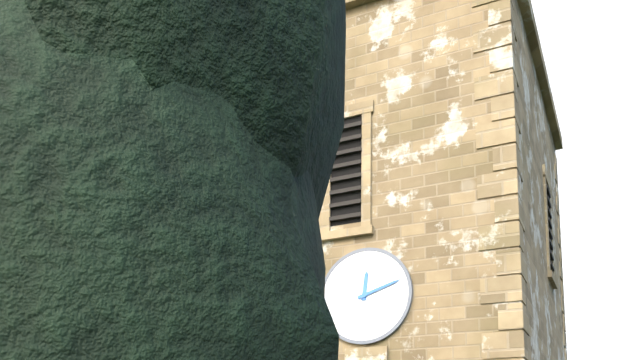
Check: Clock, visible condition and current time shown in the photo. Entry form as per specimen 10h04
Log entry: 12h12
